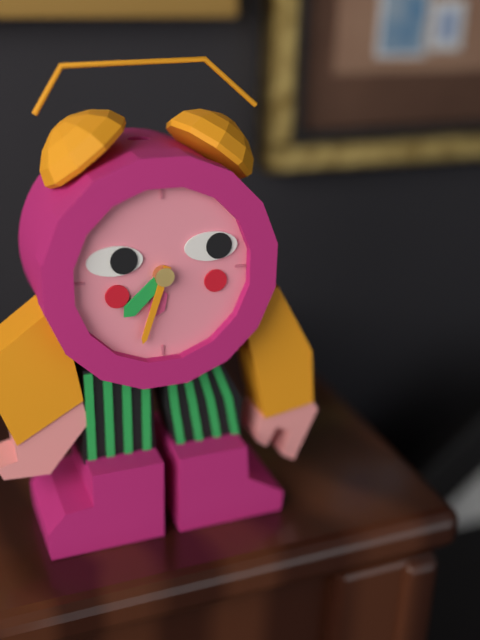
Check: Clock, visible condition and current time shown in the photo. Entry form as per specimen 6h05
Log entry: 7h33
